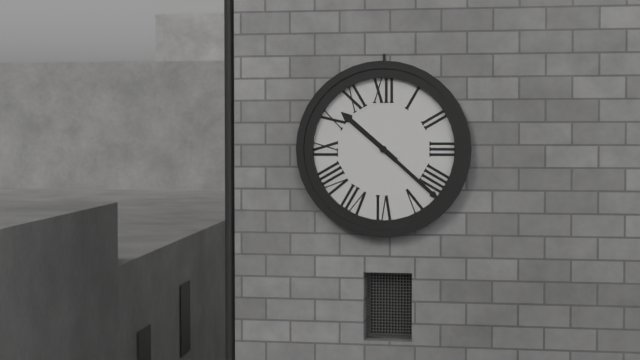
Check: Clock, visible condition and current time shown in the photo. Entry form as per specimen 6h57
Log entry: 10h22
